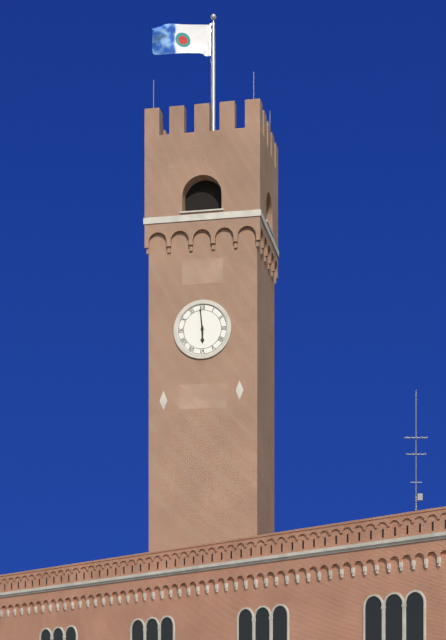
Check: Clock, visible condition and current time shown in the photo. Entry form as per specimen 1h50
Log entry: 5h59
